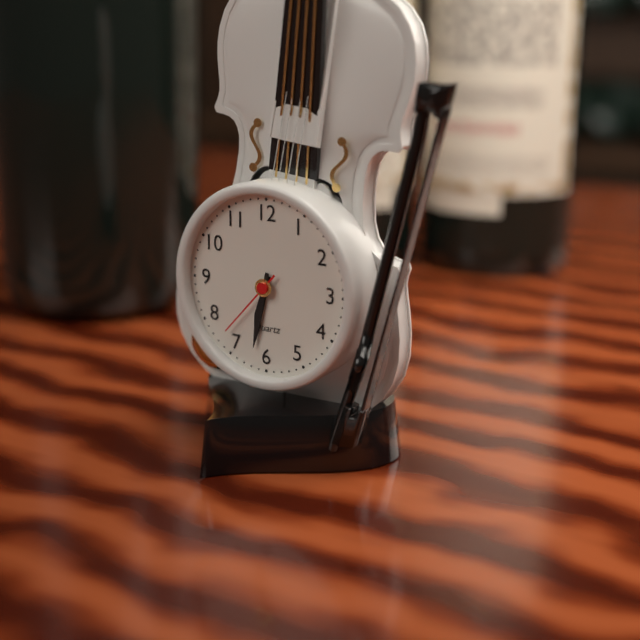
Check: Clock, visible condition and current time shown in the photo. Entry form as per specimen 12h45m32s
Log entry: 6h32m37s
